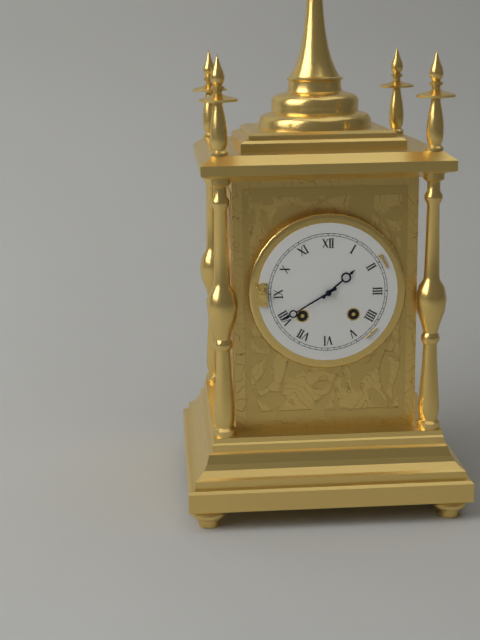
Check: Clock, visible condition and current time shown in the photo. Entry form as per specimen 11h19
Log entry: 1h40
